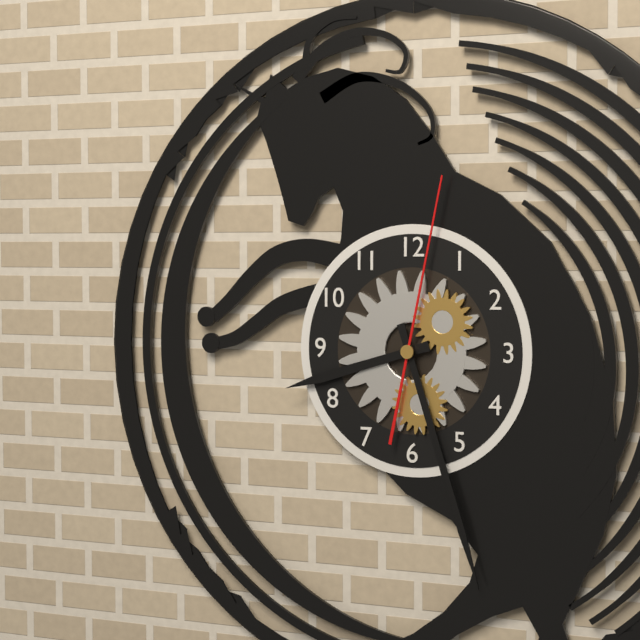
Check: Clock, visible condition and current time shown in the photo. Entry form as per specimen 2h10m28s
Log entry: 8h27m02s
